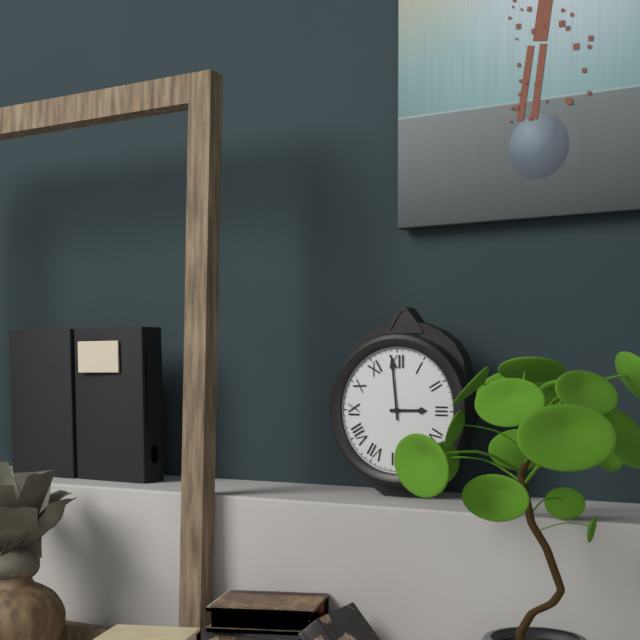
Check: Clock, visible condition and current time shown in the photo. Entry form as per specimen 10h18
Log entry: 2h59
